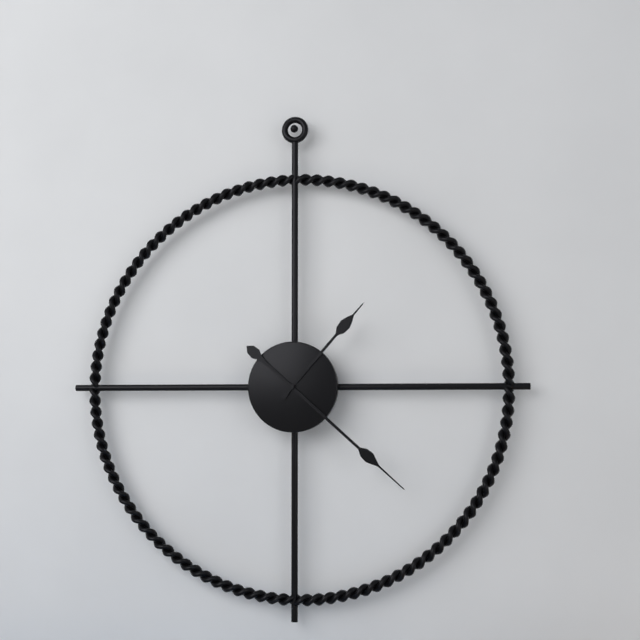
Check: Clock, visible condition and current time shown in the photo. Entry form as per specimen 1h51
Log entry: 1h22
